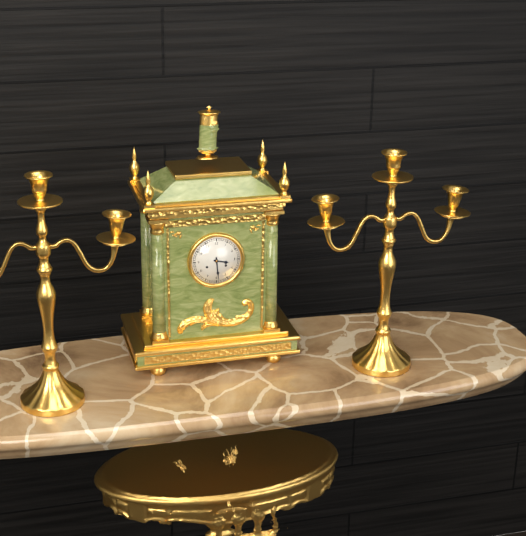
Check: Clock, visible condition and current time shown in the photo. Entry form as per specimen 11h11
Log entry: 3h29
